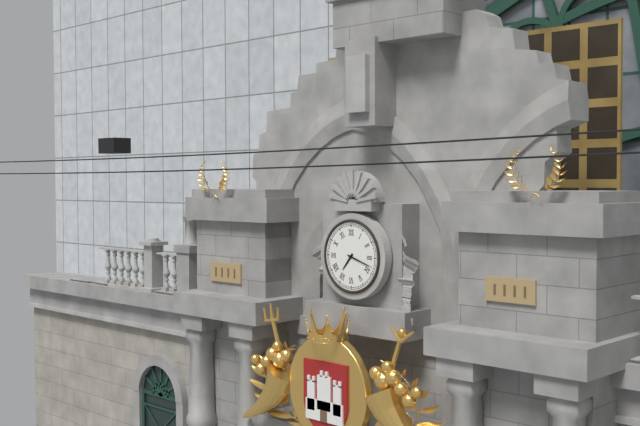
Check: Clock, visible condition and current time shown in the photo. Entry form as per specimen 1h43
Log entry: 7h18
